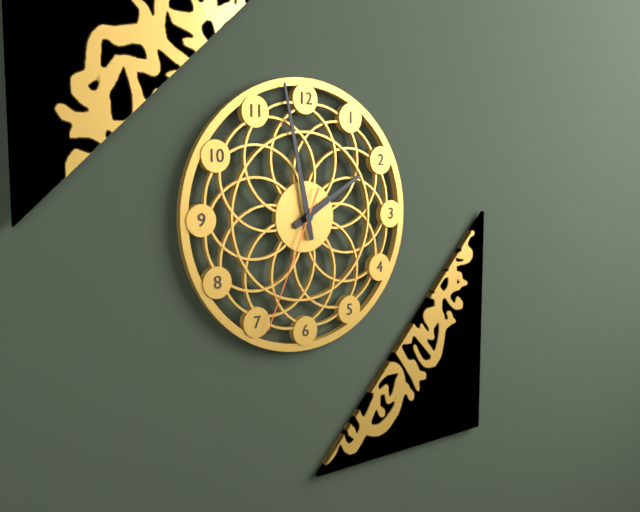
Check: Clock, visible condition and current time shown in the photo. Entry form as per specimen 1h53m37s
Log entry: 1h58m34s
